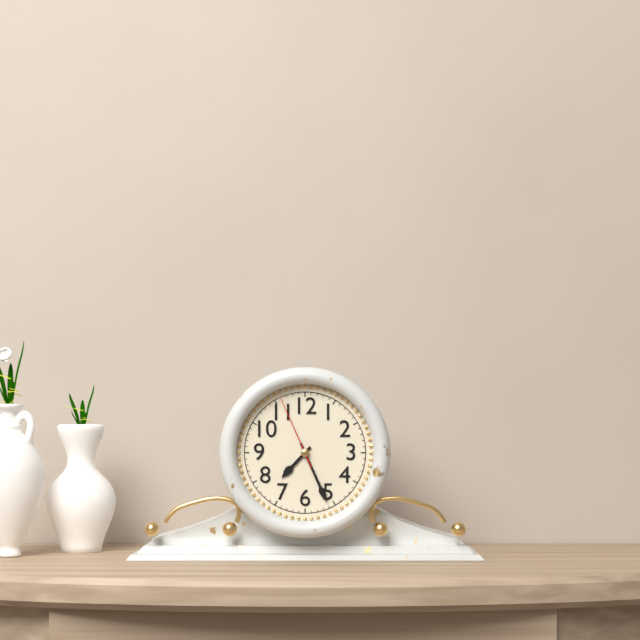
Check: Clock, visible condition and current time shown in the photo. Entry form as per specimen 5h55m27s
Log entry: 7h26m56s
